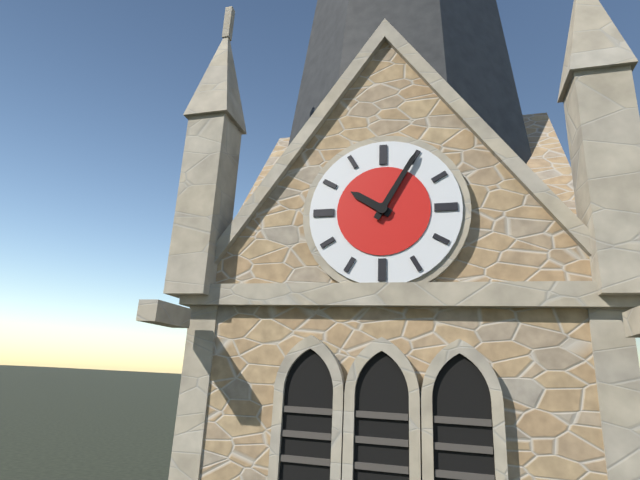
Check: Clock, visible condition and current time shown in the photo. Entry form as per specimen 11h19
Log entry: 10h05
